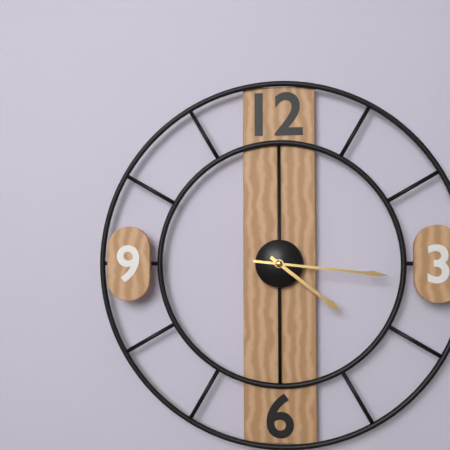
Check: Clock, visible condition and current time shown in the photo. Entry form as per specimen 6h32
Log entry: 4h16
